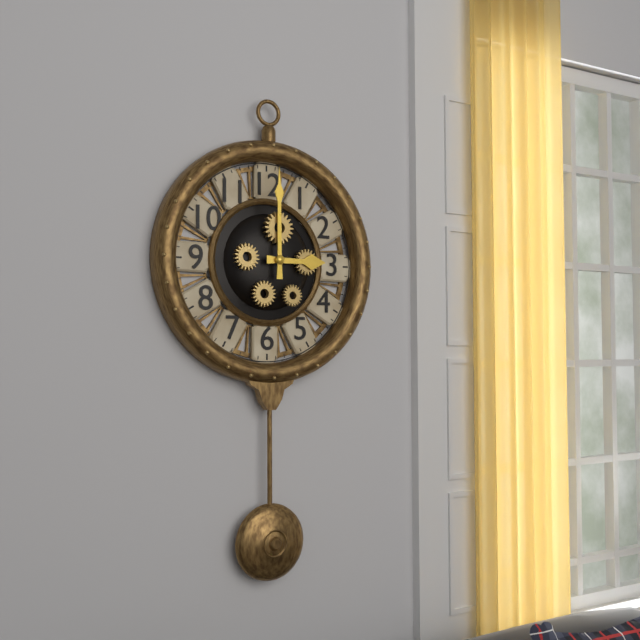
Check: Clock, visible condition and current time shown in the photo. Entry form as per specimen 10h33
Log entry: 3h00
